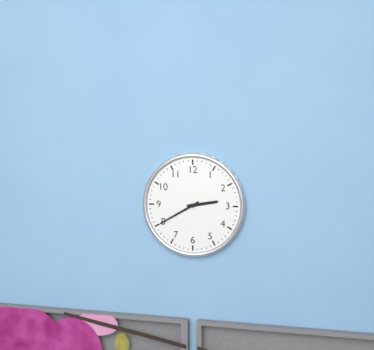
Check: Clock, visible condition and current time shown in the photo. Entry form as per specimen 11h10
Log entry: 2h40
